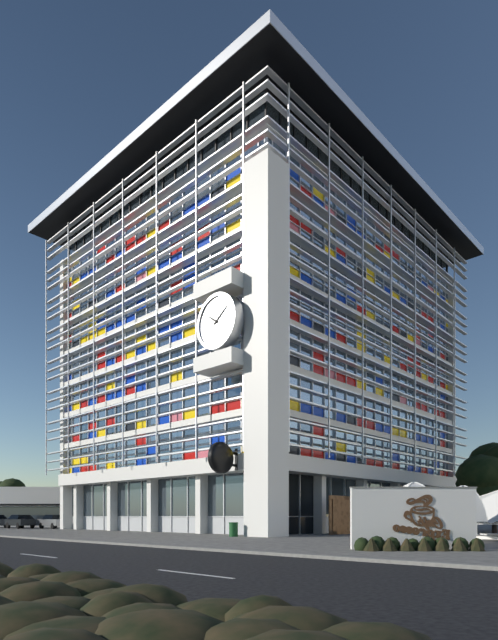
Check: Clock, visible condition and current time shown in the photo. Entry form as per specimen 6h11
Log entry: 10h09
